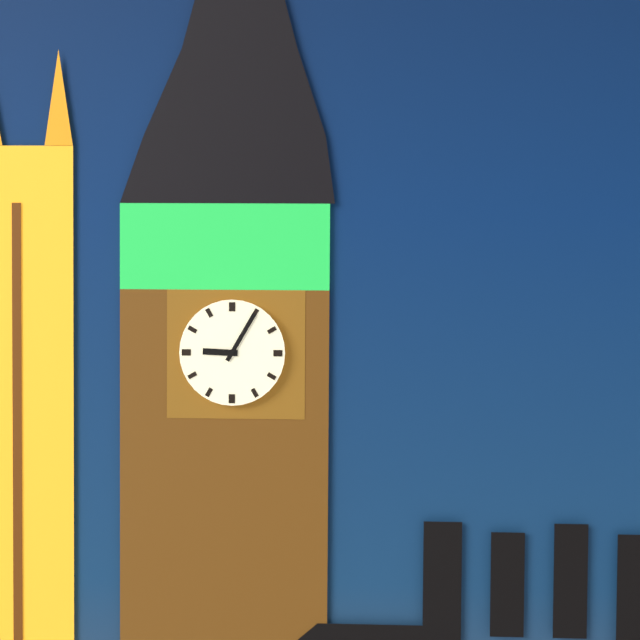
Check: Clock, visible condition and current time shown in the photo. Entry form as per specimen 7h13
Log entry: 9h05
